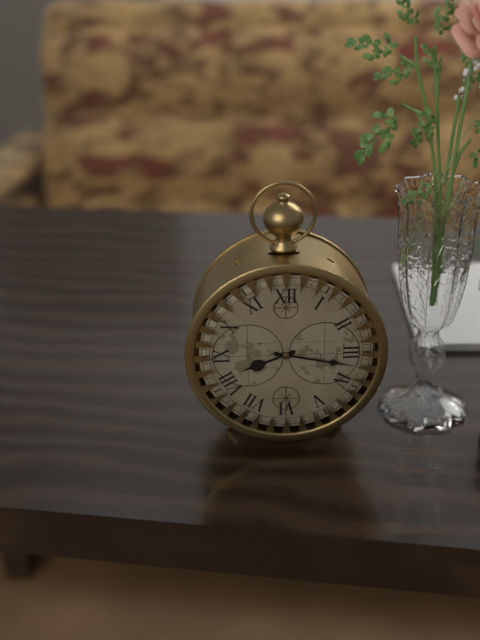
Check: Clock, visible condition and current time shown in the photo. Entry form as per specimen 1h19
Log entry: 8h17
